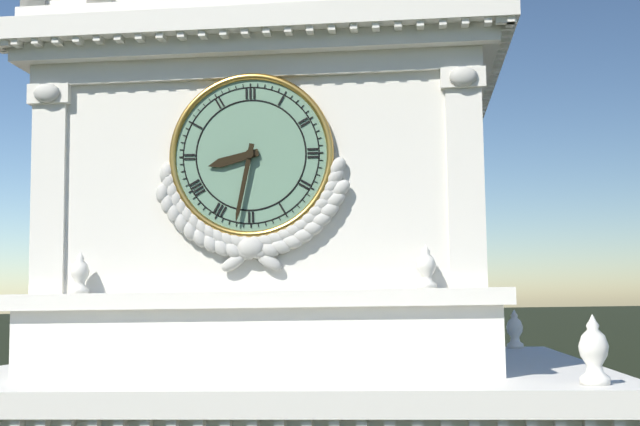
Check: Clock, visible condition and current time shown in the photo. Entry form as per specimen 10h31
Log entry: 8h32
